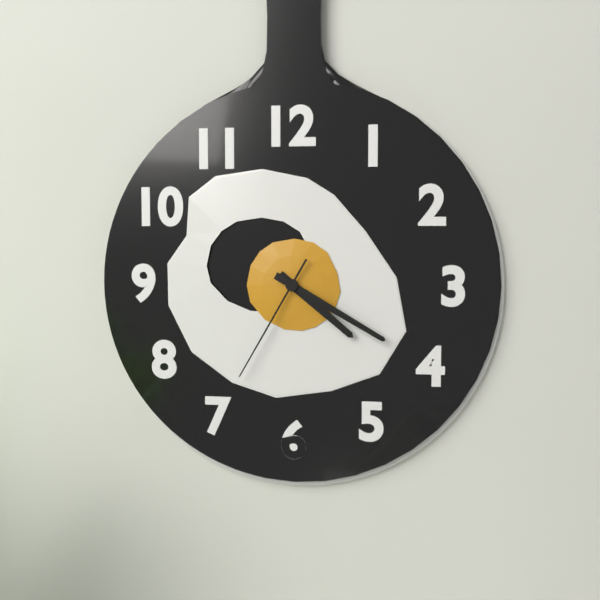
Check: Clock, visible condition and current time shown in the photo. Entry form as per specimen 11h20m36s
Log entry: 4h20m35s
